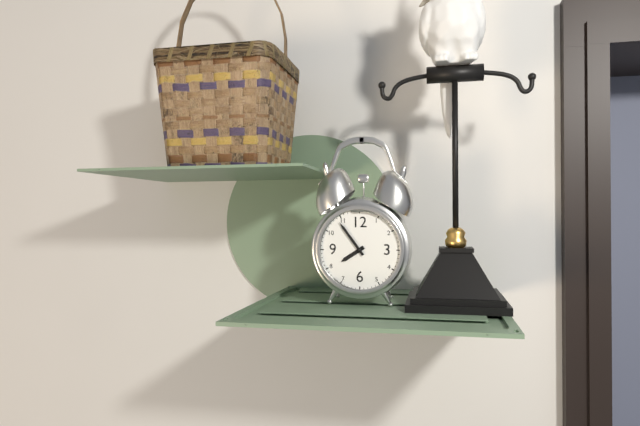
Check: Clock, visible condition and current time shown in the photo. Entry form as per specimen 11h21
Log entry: 7h54
